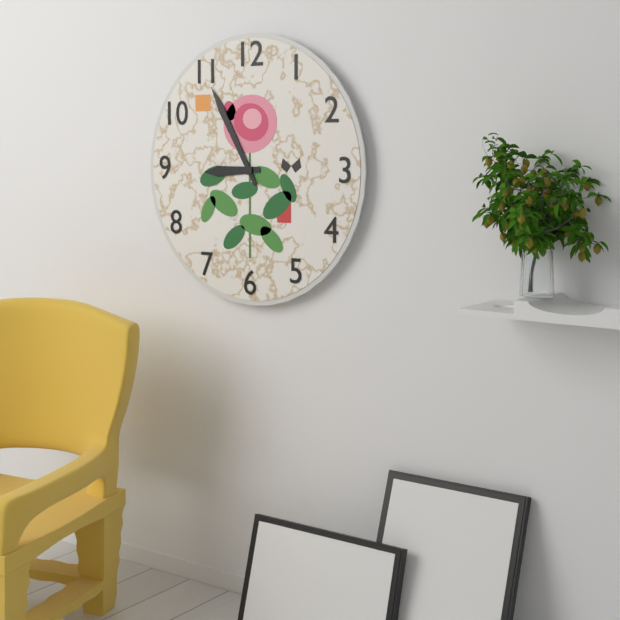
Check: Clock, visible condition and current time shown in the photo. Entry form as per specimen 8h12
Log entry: 8h55
